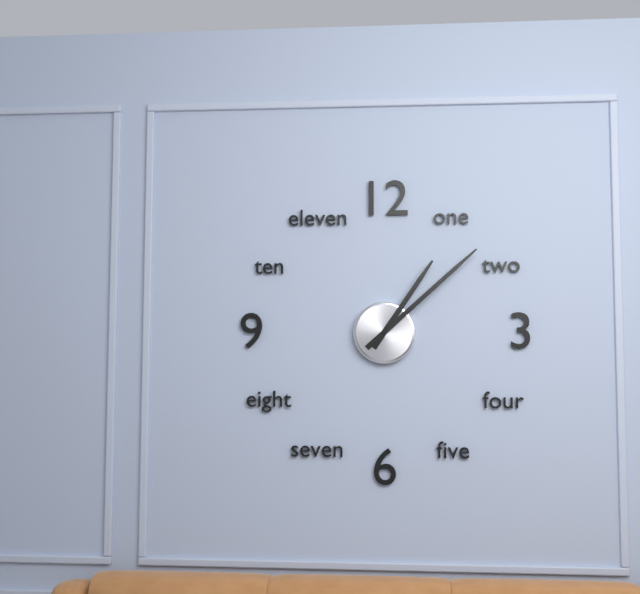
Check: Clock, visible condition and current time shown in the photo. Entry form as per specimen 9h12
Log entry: 1h08
